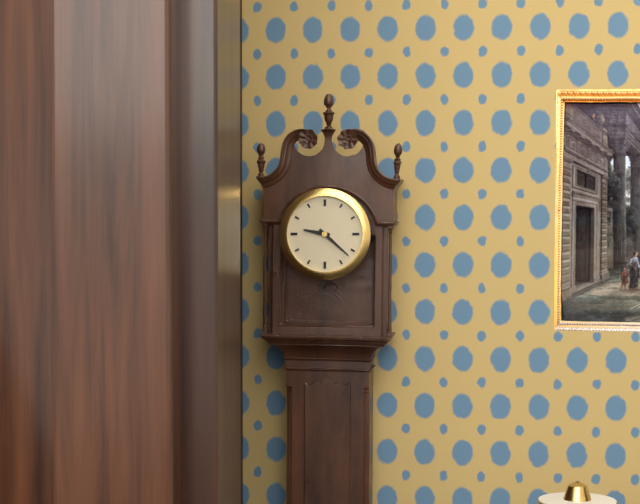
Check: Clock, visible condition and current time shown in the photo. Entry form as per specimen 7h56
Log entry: 9h22
